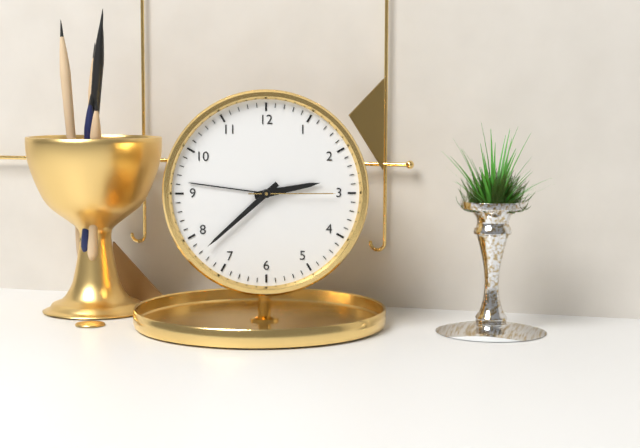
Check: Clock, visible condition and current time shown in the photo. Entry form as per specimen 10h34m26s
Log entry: 2h38m15s
